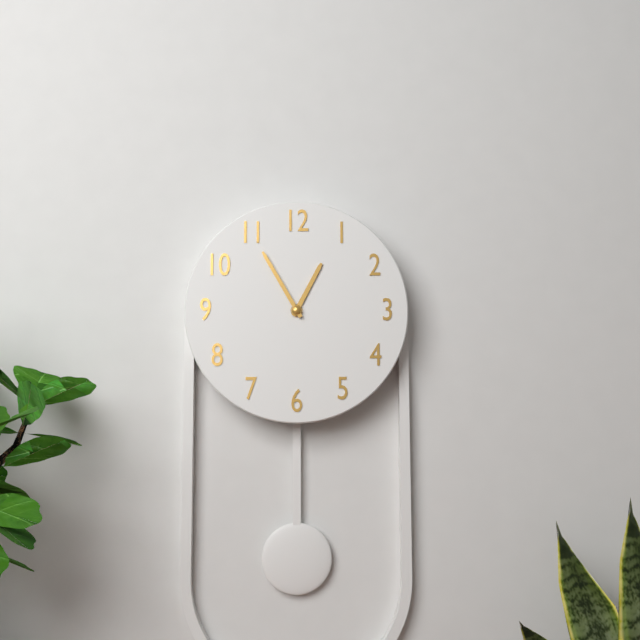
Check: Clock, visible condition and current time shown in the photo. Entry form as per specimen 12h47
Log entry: 12h55
